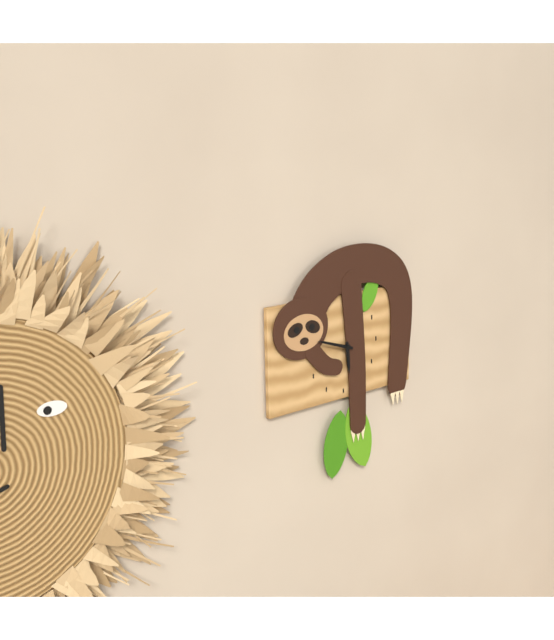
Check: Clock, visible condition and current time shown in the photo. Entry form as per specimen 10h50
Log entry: 5h48
